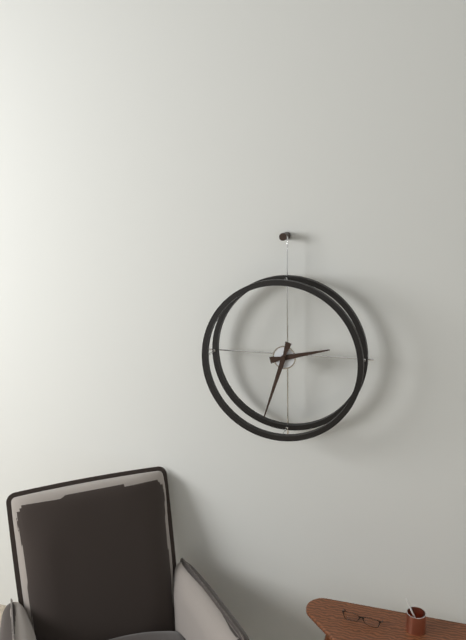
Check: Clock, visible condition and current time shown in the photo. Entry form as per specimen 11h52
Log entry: 2h33
